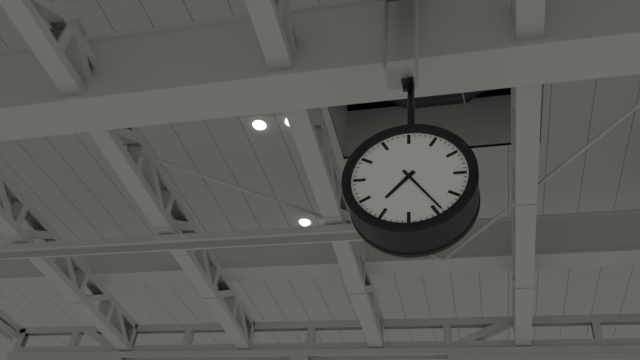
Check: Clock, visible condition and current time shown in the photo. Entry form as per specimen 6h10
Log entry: 7h24
